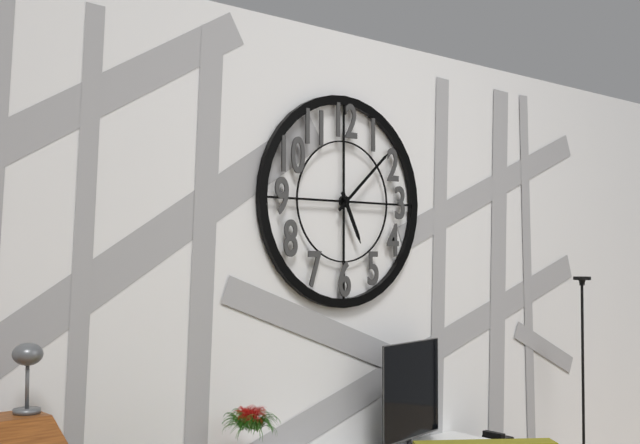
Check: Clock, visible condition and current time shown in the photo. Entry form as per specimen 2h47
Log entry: 5h08
